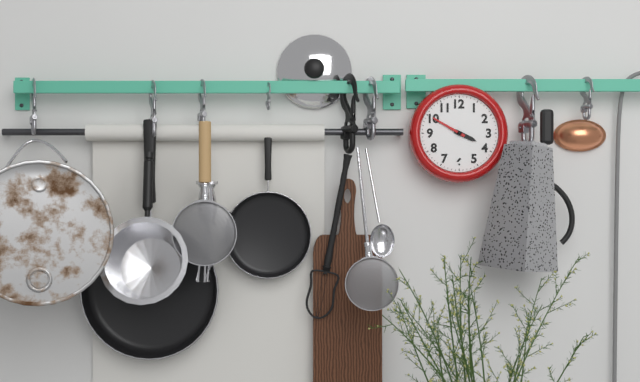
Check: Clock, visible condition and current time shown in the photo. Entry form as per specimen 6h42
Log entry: 3h50
